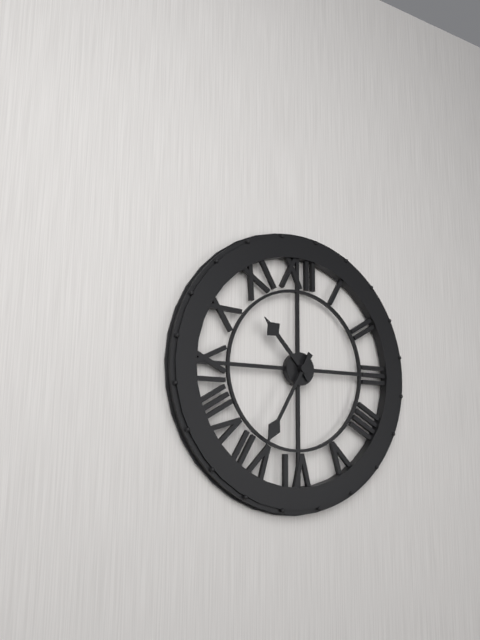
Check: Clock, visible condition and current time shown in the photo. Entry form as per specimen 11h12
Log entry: 10h35
